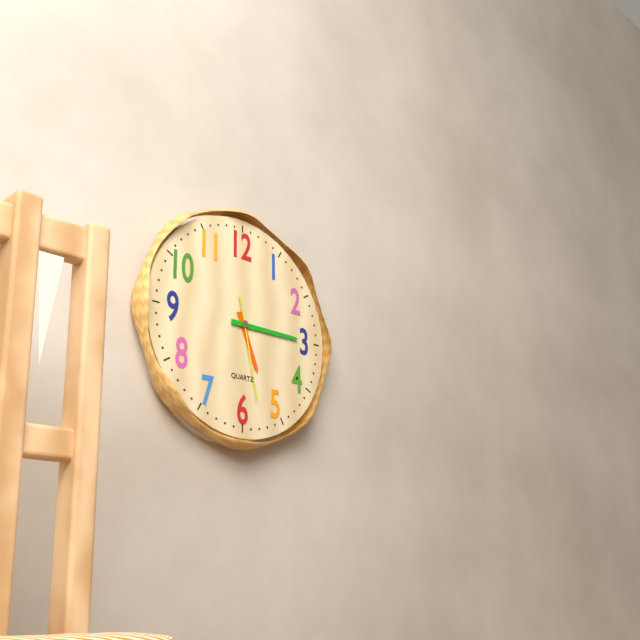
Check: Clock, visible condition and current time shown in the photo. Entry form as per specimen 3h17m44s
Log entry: 5h15m28s
